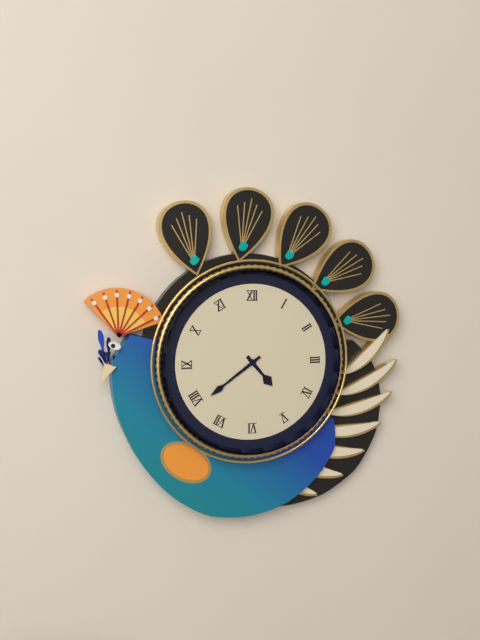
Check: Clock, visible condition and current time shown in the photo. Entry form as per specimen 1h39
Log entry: 4h39
